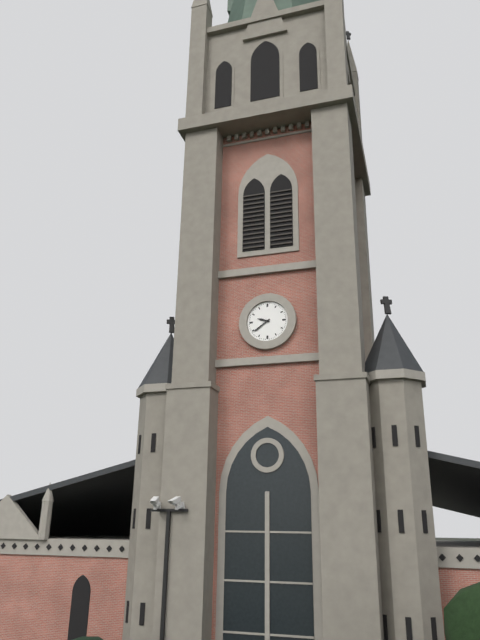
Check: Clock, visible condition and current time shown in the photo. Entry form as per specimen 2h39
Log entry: 9h39
